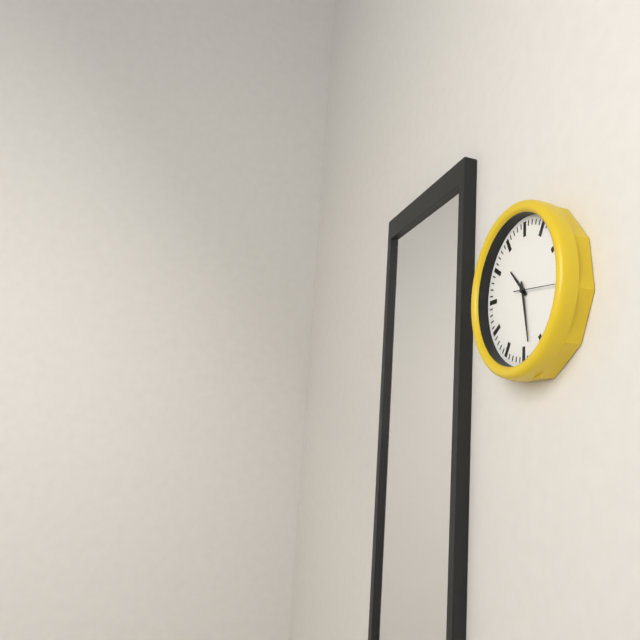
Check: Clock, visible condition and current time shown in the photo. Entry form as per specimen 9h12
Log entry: 10h28
